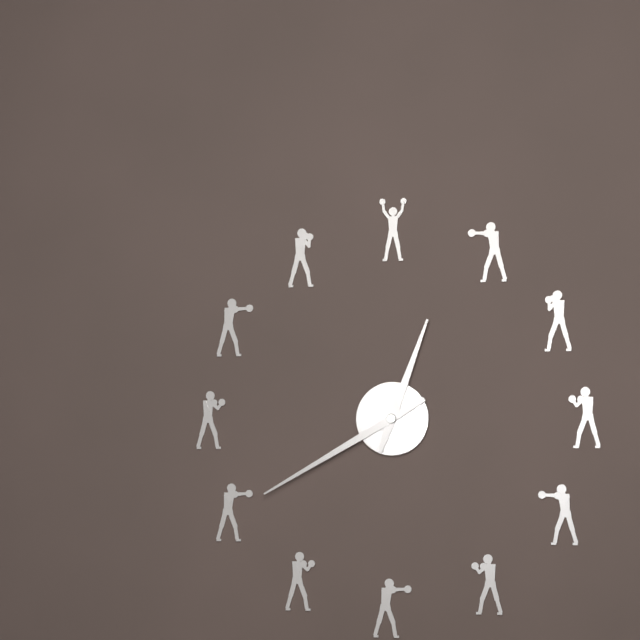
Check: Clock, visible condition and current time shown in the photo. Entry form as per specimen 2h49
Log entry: 12h40
